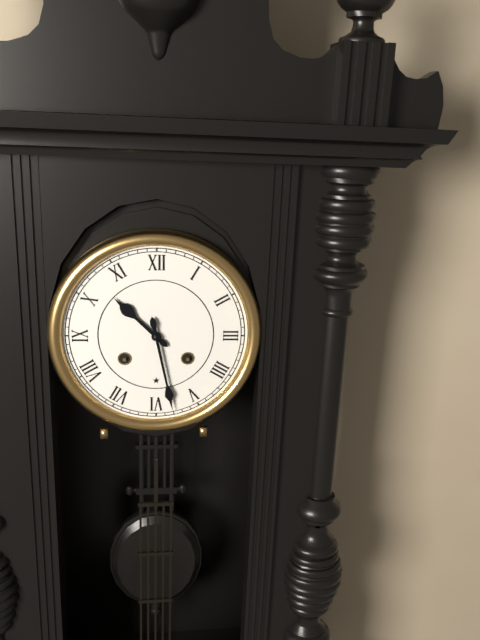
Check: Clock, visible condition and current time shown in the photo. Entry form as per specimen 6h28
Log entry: 10h28
